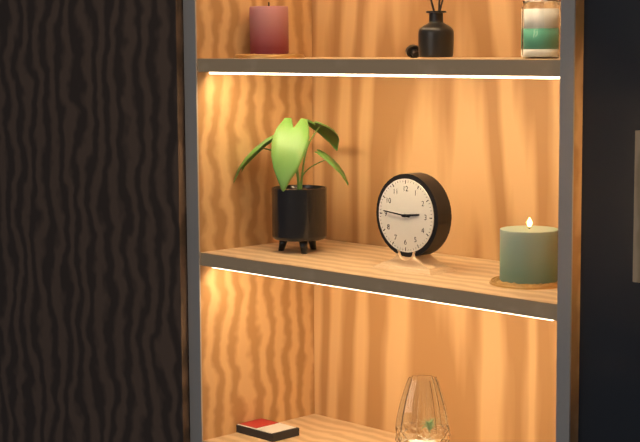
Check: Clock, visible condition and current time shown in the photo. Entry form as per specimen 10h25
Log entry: 2h46
